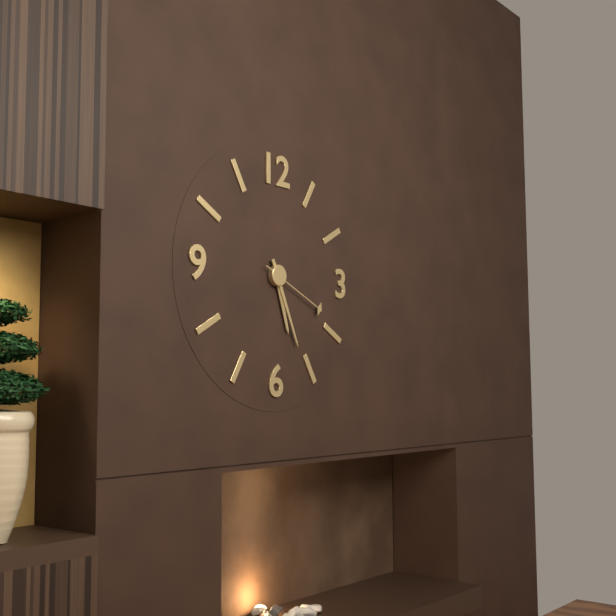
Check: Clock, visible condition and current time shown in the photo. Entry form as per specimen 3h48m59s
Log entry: 5h26m19s
